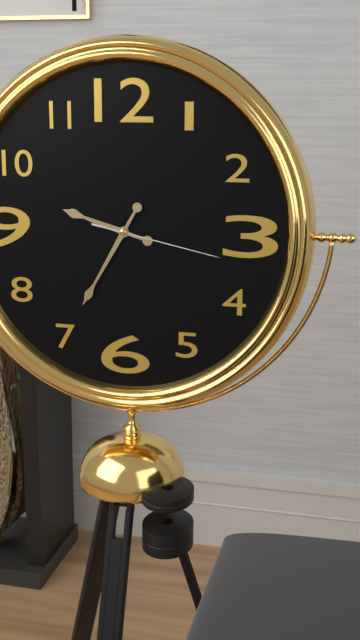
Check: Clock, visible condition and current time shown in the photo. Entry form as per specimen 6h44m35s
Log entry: 9h35m17s
